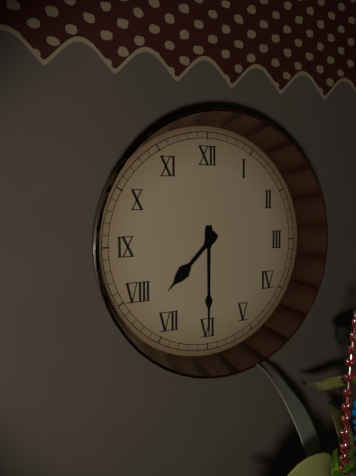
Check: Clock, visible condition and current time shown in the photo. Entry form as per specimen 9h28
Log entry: 7h30
